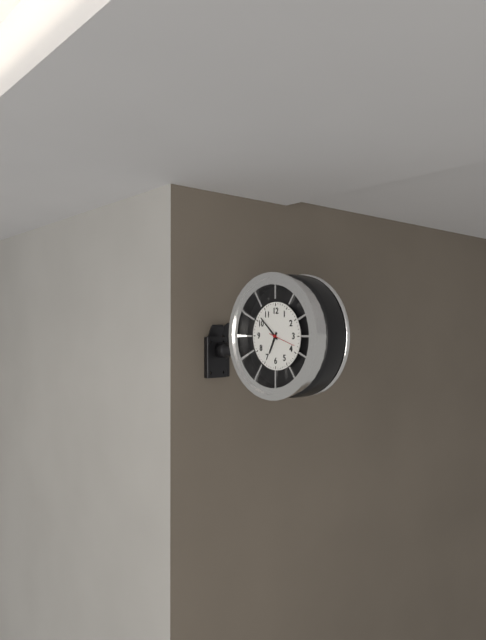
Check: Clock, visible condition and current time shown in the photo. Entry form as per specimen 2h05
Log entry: 6h52
